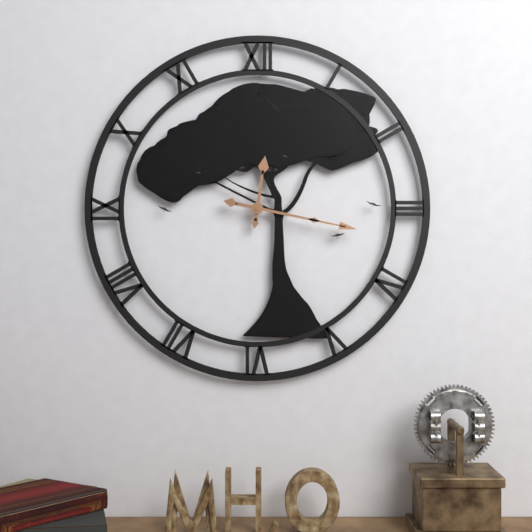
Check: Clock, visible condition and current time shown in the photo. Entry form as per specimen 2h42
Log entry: 12h17
